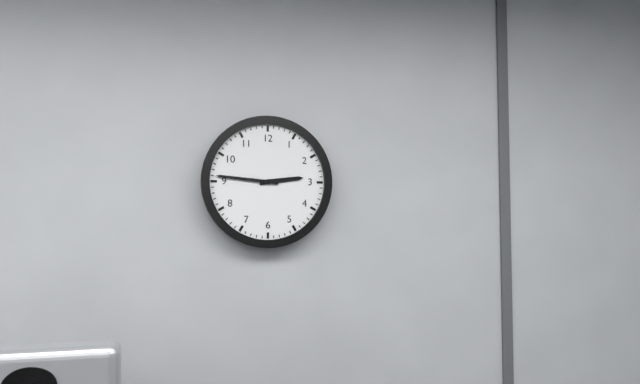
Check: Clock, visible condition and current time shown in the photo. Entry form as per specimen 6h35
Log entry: 2h46
